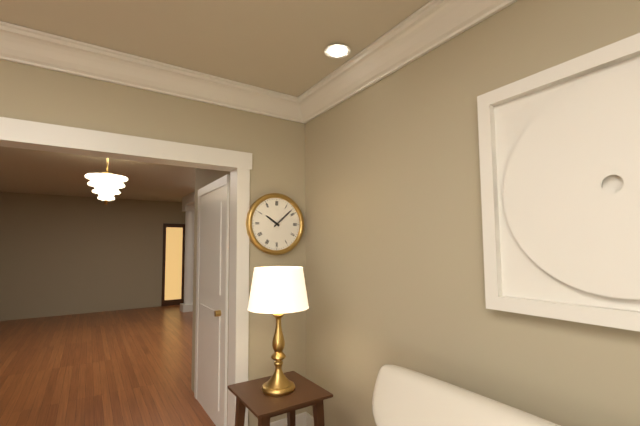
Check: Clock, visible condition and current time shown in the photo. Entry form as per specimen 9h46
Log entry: 10h08
